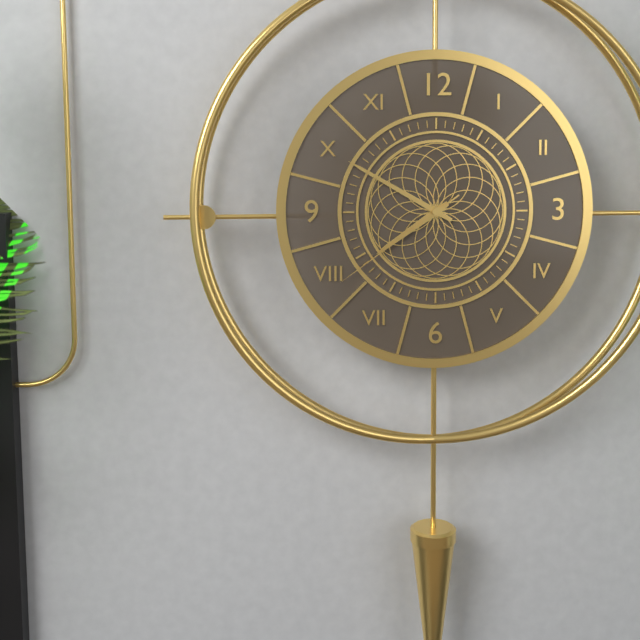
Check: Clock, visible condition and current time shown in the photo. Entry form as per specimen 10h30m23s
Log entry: 7h50m39s
